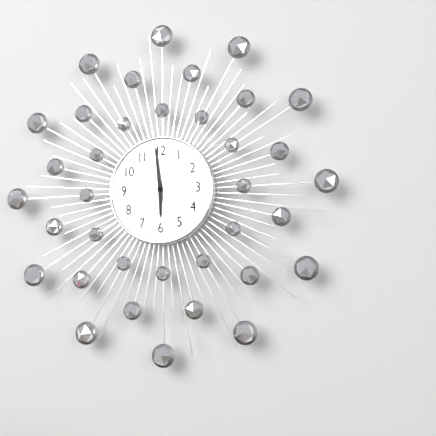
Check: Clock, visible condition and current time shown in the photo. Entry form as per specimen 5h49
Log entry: 5h59
